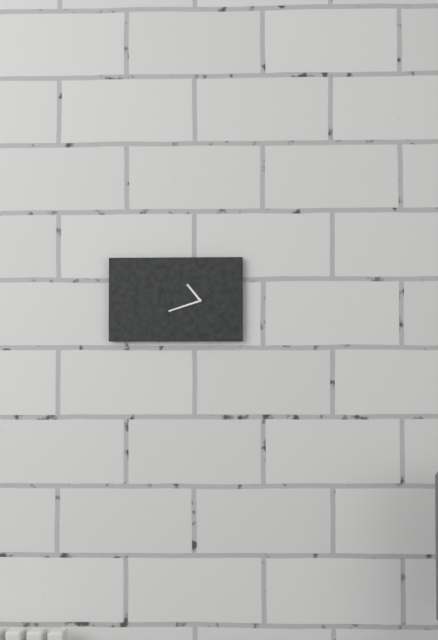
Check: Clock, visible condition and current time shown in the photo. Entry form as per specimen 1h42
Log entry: 10h42
